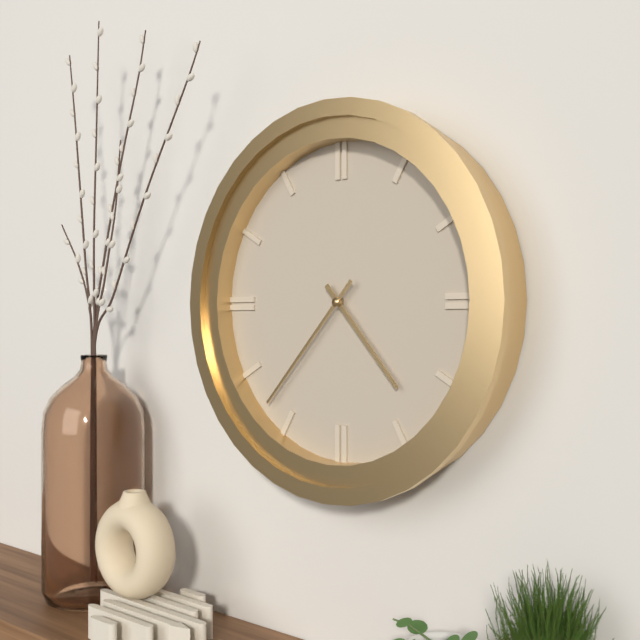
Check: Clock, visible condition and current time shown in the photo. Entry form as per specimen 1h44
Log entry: 4h37
